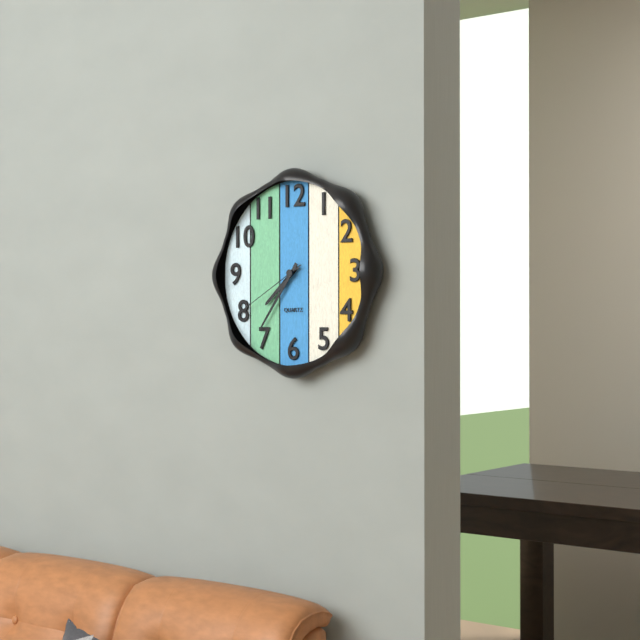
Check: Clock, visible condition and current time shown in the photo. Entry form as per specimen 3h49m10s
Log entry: 7h36m40s
